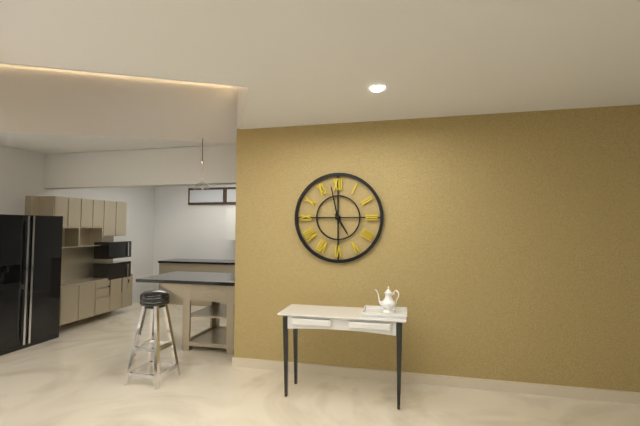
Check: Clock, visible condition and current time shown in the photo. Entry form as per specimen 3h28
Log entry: 4h58
